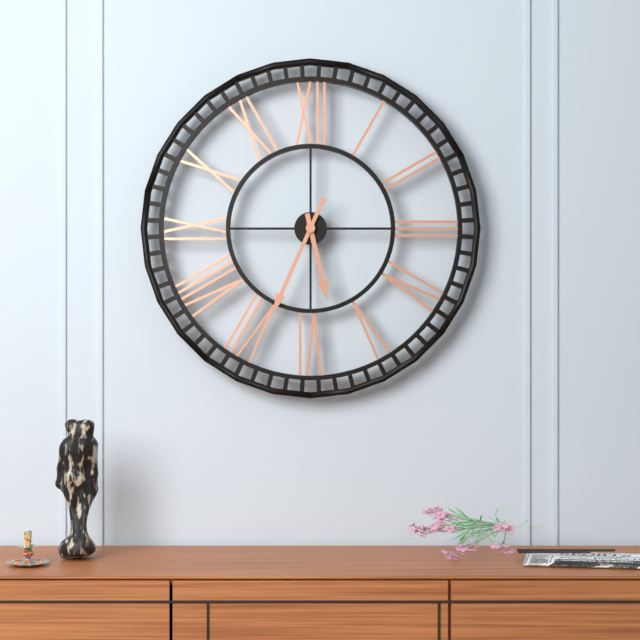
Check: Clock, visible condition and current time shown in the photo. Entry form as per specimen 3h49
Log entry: 5h34
